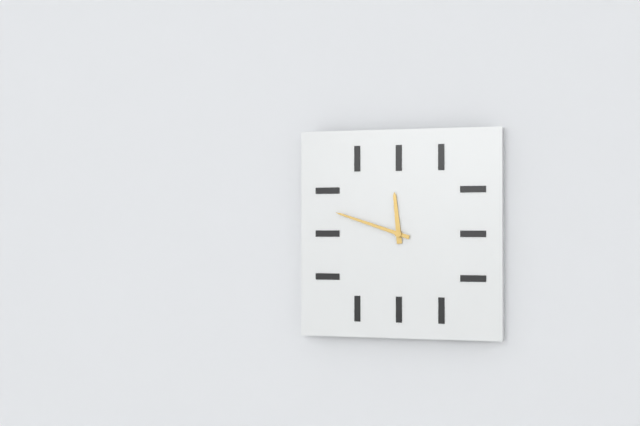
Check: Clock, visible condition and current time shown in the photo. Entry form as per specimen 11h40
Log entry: 11h48
